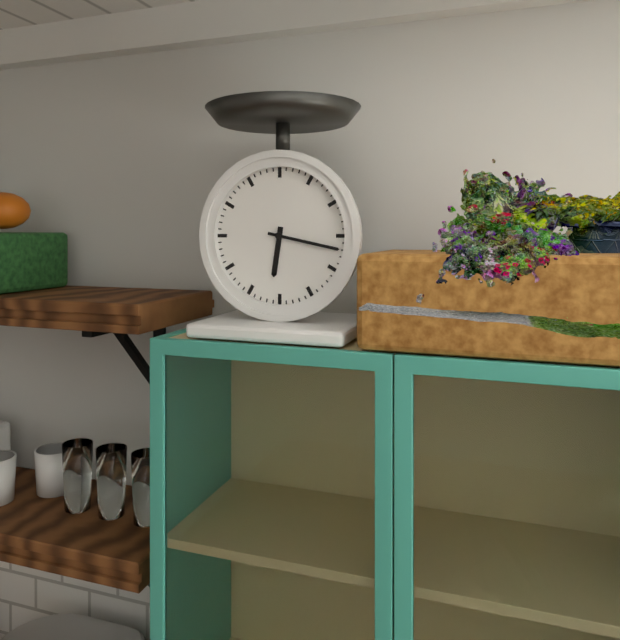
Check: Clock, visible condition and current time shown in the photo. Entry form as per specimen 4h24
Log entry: 6h17
